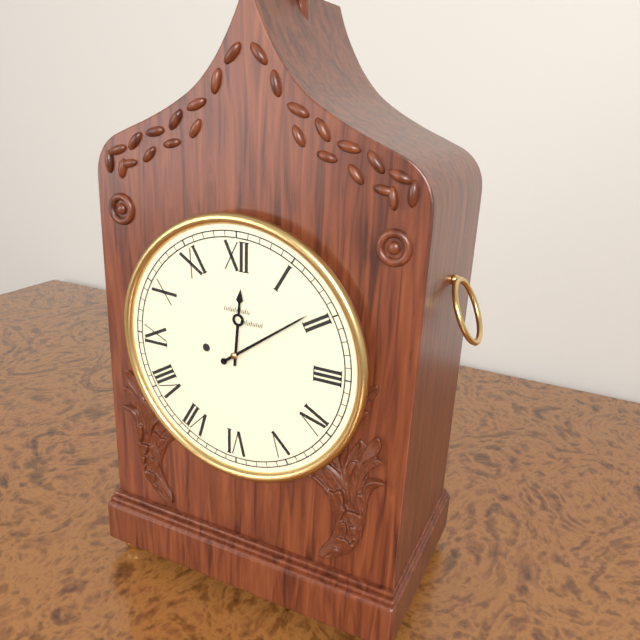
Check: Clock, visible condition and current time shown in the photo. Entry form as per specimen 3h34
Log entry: 12h09
